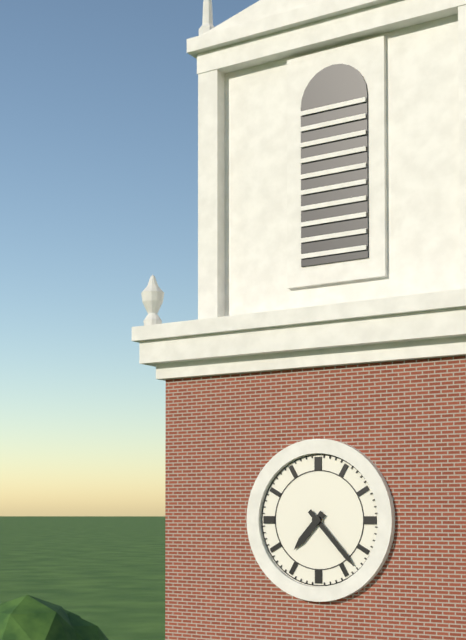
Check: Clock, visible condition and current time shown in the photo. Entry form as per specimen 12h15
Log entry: 7h23
